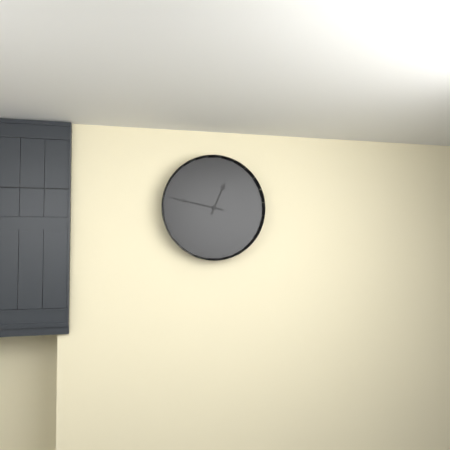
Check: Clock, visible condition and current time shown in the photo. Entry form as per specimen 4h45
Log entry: 12h47
